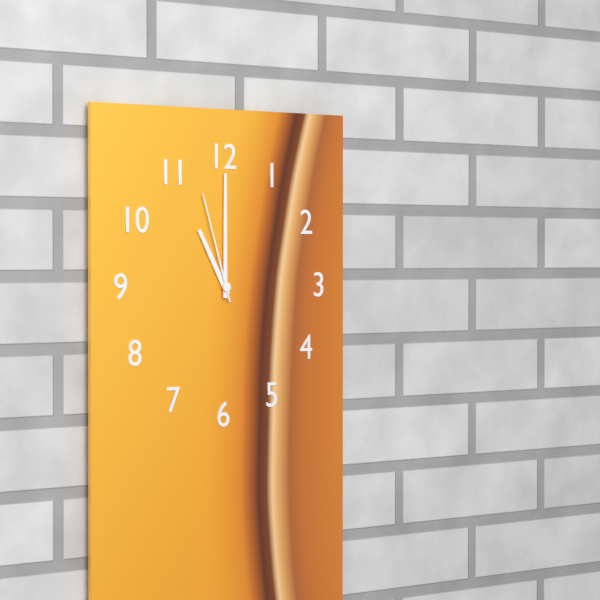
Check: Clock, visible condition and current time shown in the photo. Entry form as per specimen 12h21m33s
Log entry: 11h00m57s
